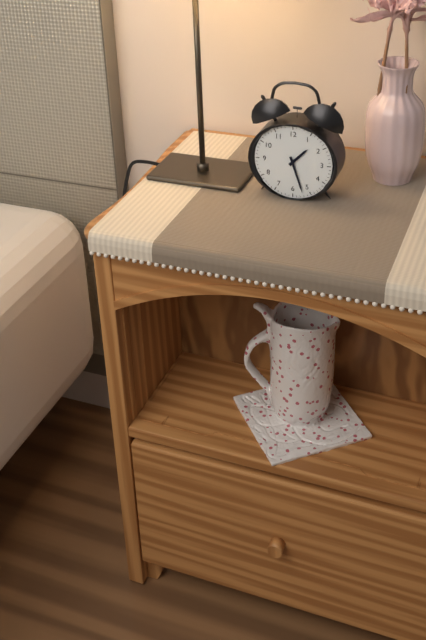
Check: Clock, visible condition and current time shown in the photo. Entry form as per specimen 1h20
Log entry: 1h27
